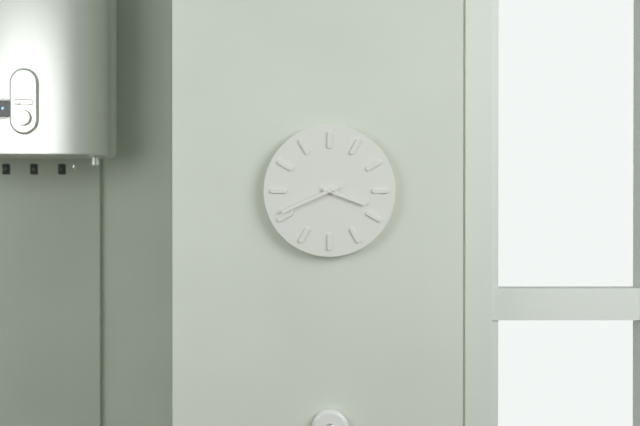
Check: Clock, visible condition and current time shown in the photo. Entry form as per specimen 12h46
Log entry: 3h41
